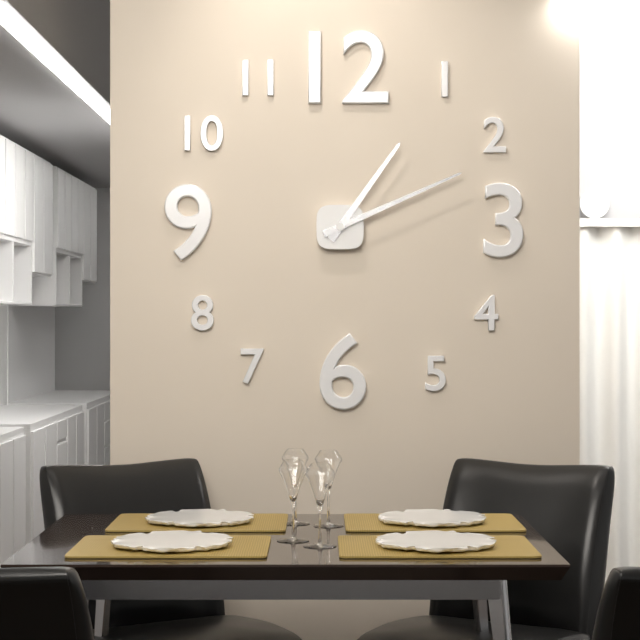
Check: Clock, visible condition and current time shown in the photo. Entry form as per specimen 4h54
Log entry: 1h11
